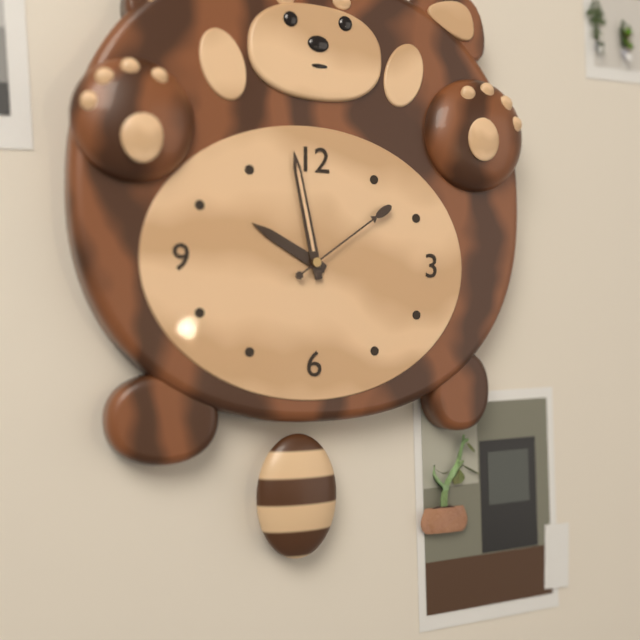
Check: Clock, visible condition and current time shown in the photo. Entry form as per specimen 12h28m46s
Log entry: 9h58m09s
